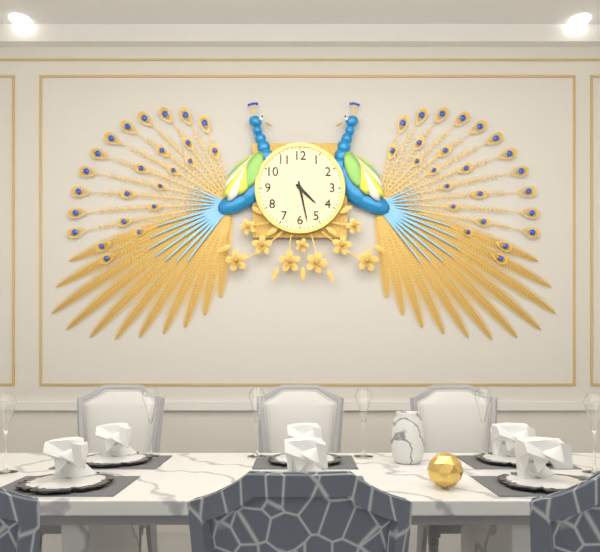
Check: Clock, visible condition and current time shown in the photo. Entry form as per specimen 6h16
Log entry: 4h28
